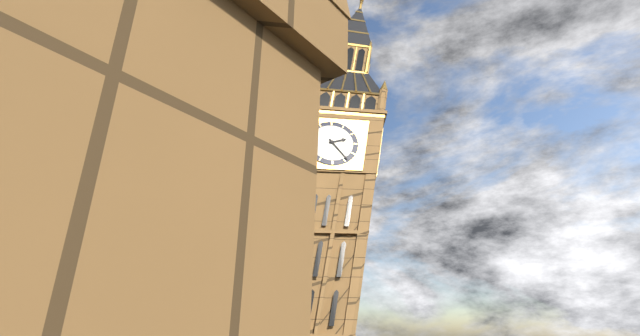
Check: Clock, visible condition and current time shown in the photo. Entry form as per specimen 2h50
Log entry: 2h24
